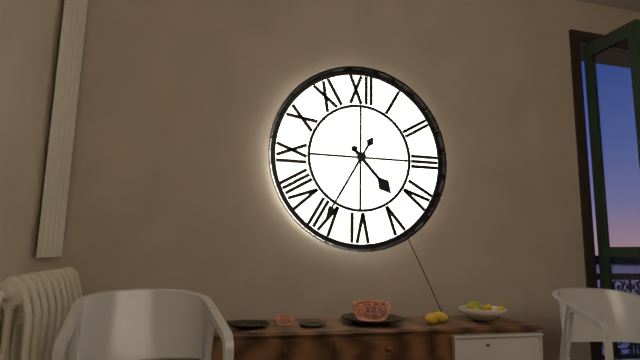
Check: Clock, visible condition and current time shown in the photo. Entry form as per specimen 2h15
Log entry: 4h35
